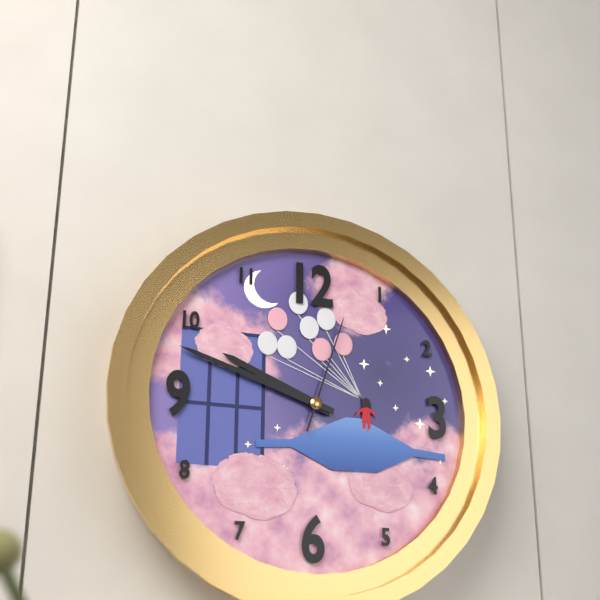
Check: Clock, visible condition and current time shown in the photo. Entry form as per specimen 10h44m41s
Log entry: 9h48m03s
